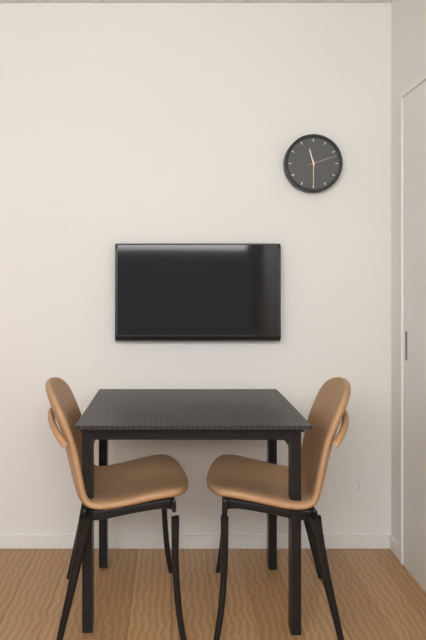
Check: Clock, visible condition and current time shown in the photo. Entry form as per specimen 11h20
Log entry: 11h30
